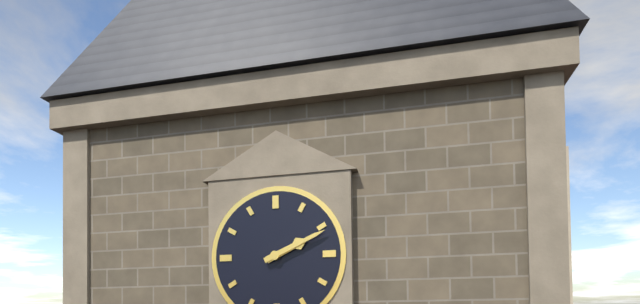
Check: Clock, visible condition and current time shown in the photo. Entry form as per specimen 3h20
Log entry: 2h11
